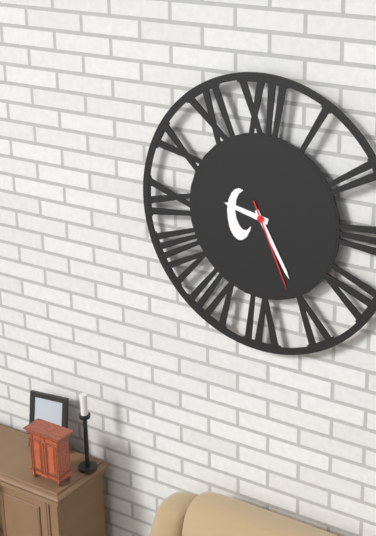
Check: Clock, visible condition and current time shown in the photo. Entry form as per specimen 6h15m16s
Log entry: 9h25m26s
